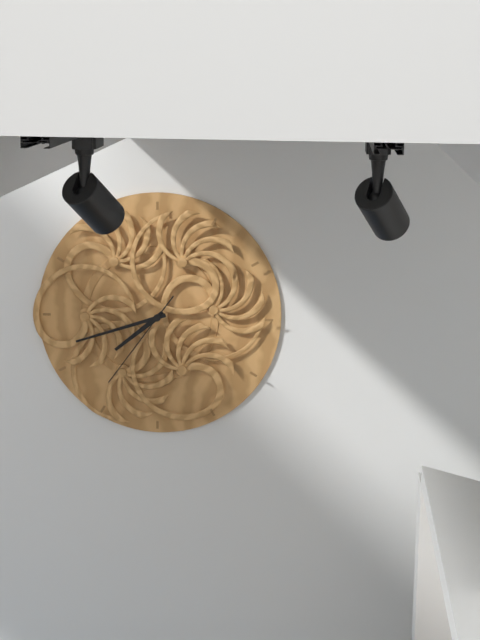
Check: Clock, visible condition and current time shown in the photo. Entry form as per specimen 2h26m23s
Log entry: 7h42m36s
